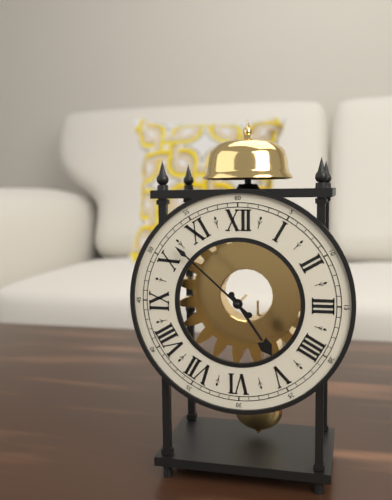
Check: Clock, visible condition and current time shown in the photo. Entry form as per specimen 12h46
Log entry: 4h52
